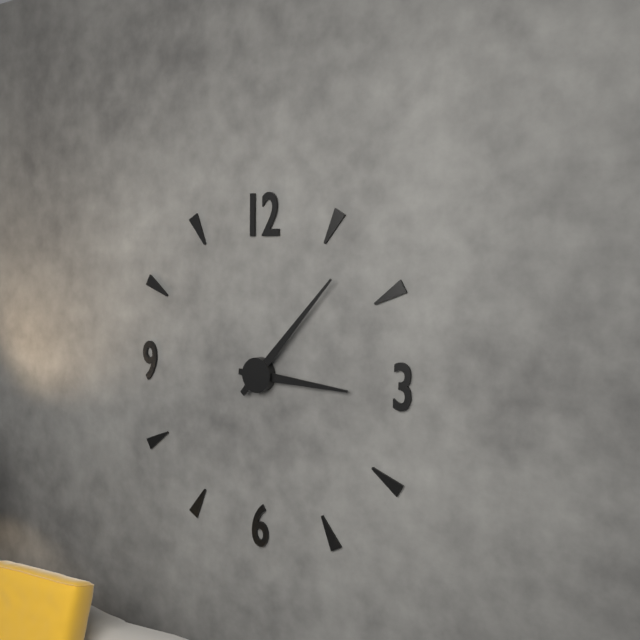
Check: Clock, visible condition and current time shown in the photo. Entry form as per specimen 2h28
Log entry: 3h07
